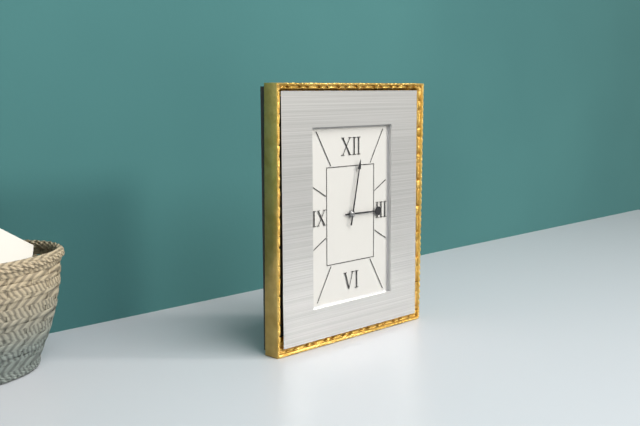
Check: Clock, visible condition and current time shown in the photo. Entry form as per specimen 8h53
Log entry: 3h02
